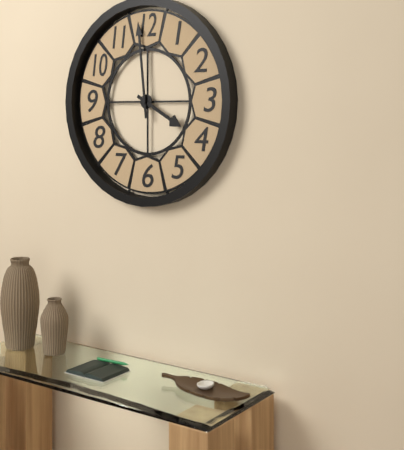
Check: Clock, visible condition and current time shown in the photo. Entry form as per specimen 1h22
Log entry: 3h59
